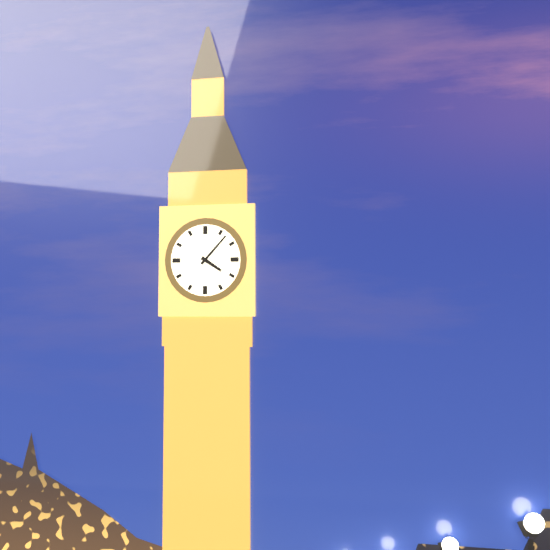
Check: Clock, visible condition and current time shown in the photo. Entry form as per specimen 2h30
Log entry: 4h07
